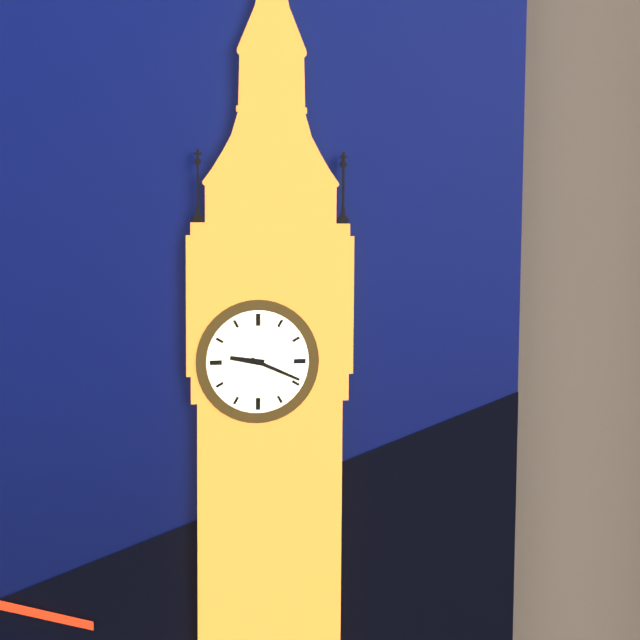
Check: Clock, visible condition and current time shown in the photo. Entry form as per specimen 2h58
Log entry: 9h19
